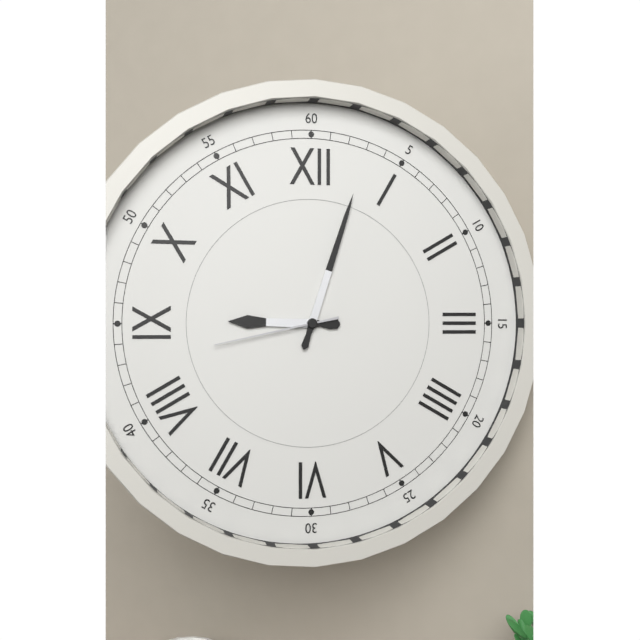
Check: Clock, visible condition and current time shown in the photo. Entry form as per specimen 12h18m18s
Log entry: 9h03m43s
